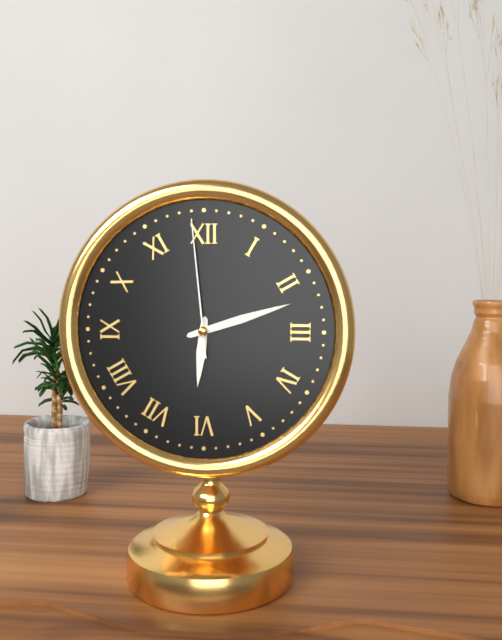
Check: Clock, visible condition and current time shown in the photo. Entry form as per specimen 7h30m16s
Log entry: 6h12m59s
